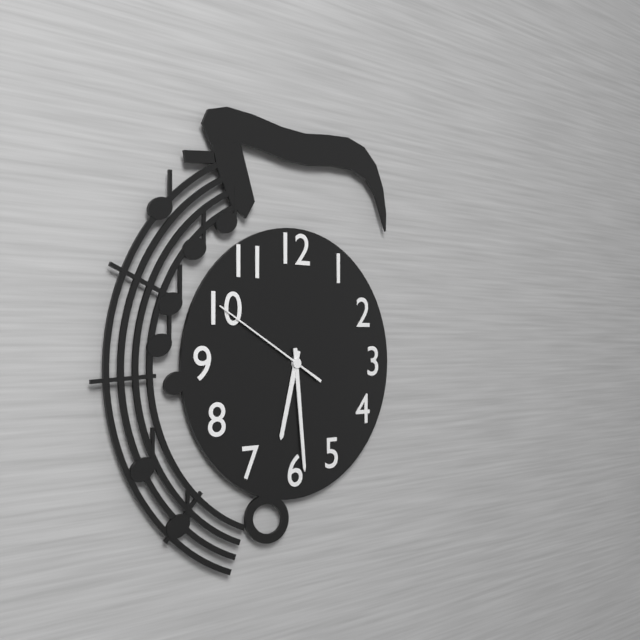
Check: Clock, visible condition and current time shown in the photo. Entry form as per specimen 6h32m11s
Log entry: 6h29m50s
